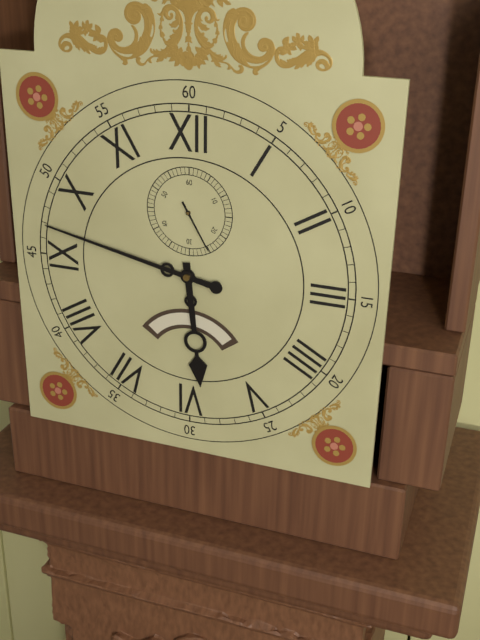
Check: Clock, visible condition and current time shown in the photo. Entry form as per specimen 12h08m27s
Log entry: 5h47m25s
